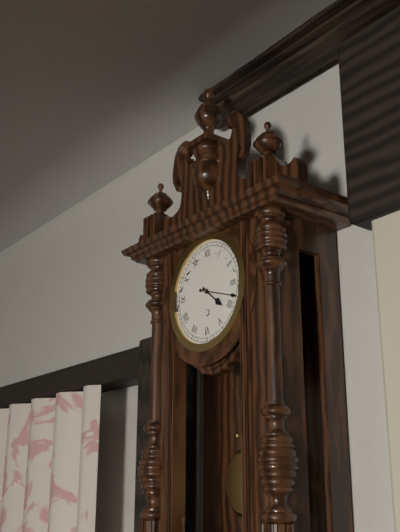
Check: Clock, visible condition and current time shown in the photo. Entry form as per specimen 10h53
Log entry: 4h18
